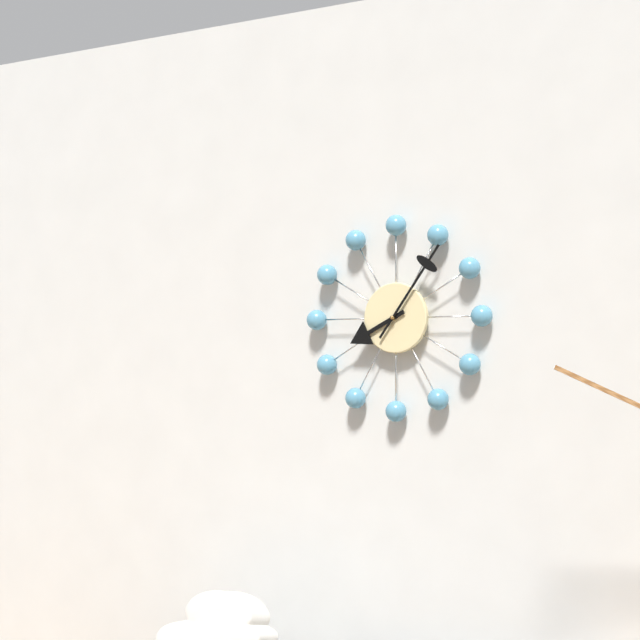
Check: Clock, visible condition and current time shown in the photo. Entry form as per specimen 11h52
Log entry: 8h06
